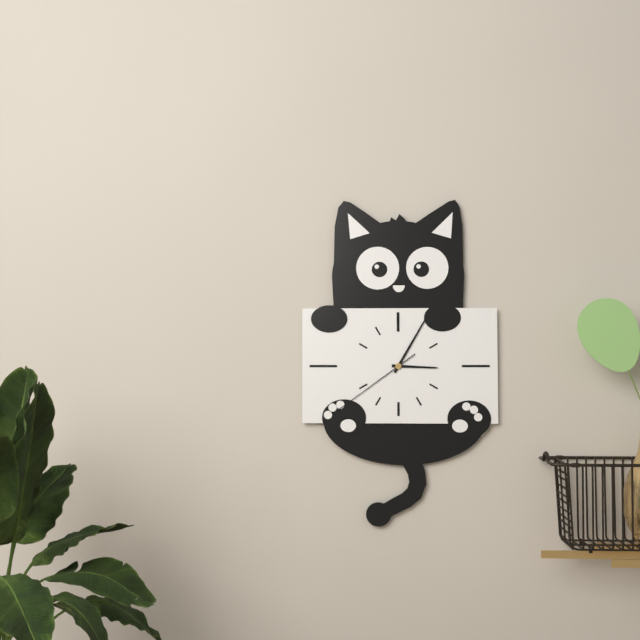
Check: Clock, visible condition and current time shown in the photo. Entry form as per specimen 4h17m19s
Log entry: 3h05m39s
